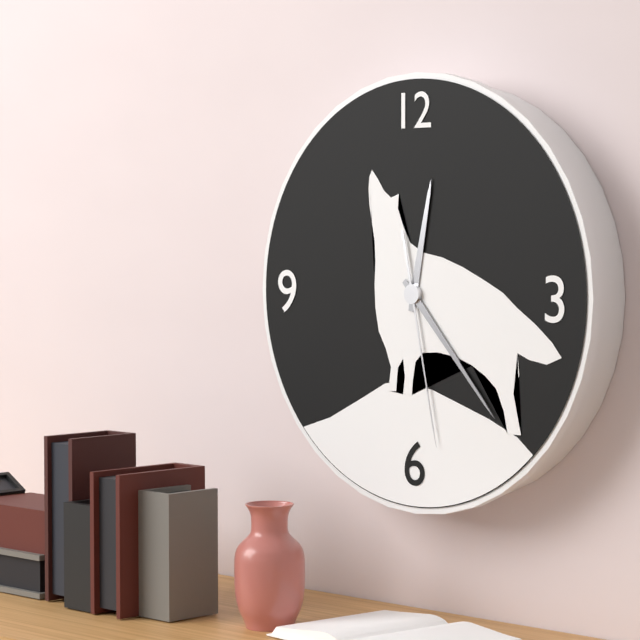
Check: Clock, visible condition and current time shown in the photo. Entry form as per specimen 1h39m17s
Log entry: 12h23m28s
